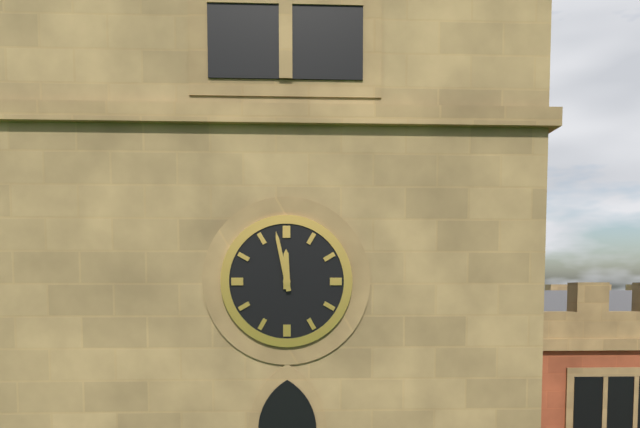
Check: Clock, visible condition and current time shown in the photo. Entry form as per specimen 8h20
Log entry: 11h58
